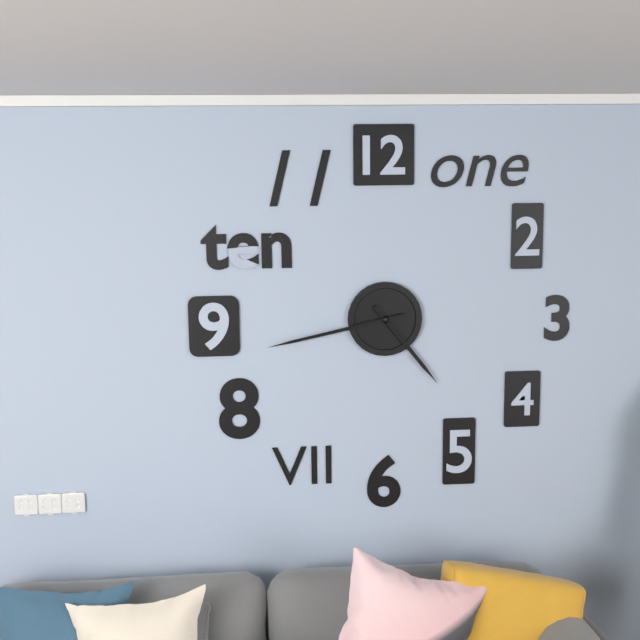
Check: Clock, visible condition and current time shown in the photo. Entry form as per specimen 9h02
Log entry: 4h43
